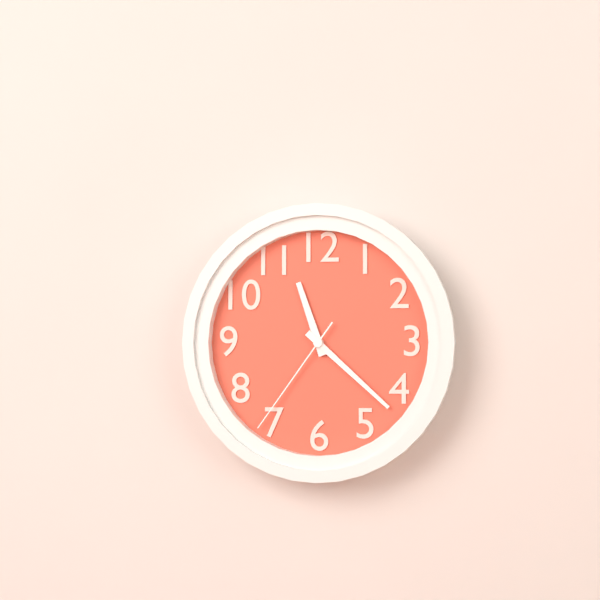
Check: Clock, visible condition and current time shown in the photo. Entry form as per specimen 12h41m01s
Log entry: 11h22m36s
